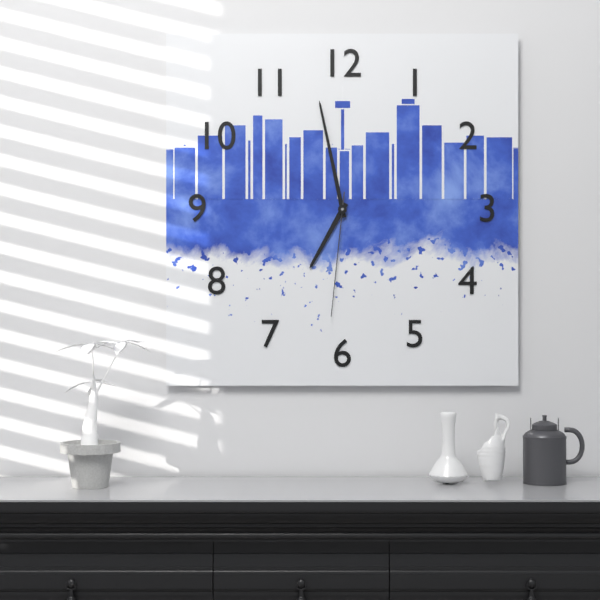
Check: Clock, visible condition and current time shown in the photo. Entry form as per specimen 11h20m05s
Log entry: 6h58m31s
